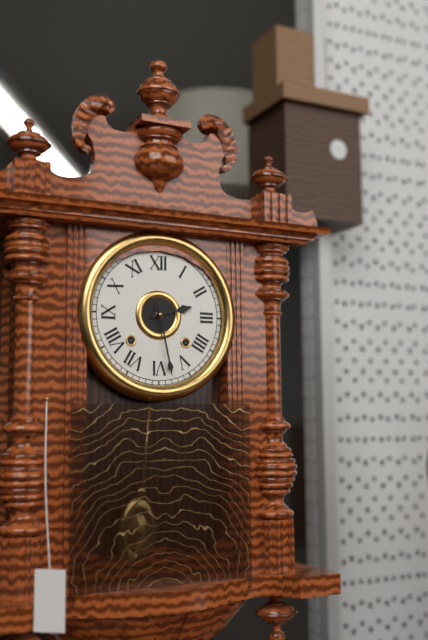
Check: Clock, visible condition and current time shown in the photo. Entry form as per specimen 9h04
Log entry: 2h28
